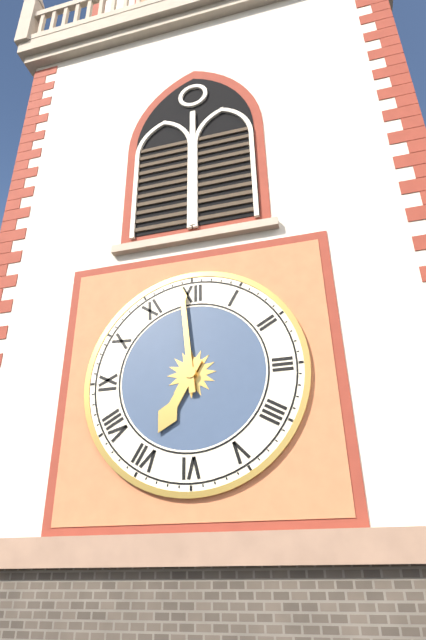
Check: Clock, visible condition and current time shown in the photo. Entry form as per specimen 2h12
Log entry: 6h59
